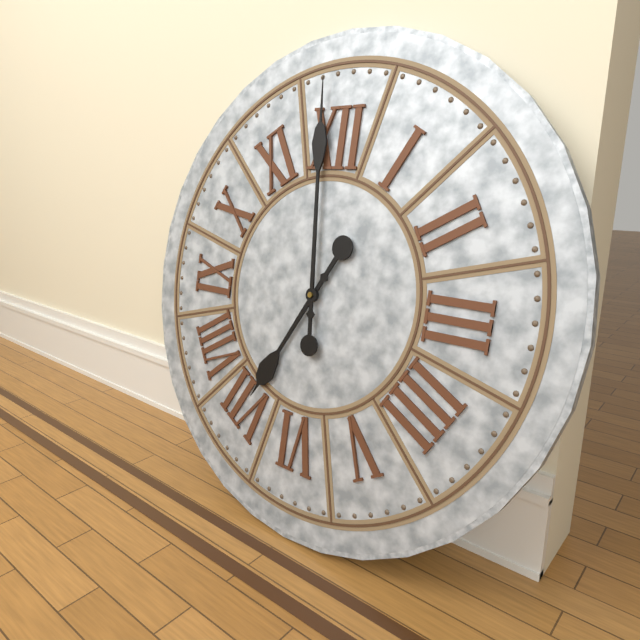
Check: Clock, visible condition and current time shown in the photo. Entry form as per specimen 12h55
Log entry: 6h59
